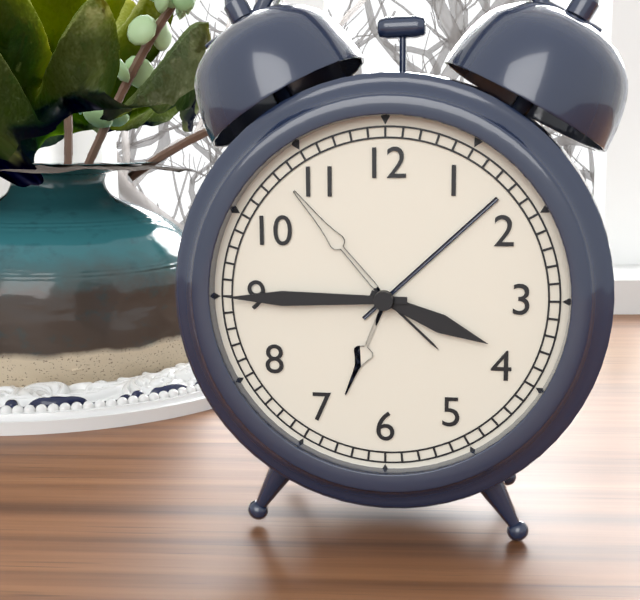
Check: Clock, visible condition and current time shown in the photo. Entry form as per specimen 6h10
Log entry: 3h45
